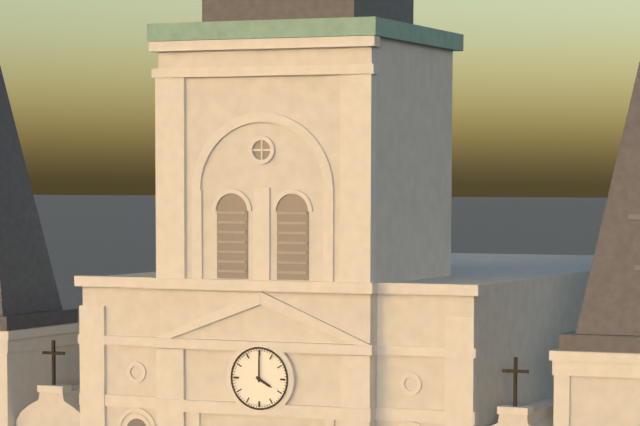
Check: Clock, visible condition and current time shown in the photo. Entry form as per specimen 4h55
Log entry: 4h00
